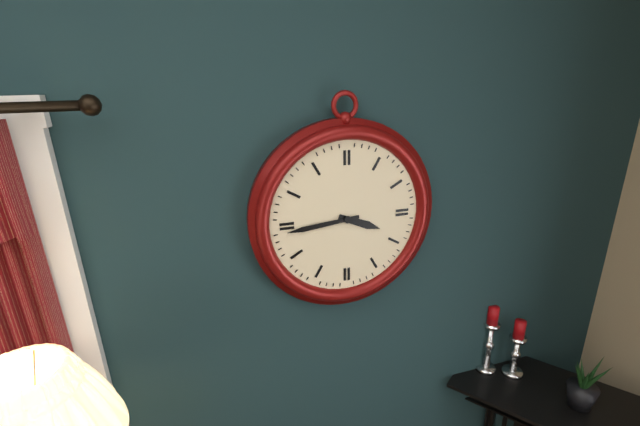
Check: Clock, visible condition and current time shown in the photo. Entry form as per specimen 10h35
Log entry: 3h44
